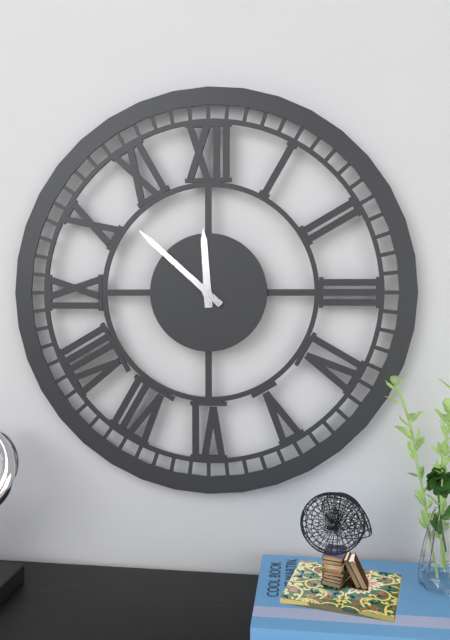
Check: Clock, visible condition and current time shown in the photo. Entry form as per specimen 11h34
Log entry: 11h52
